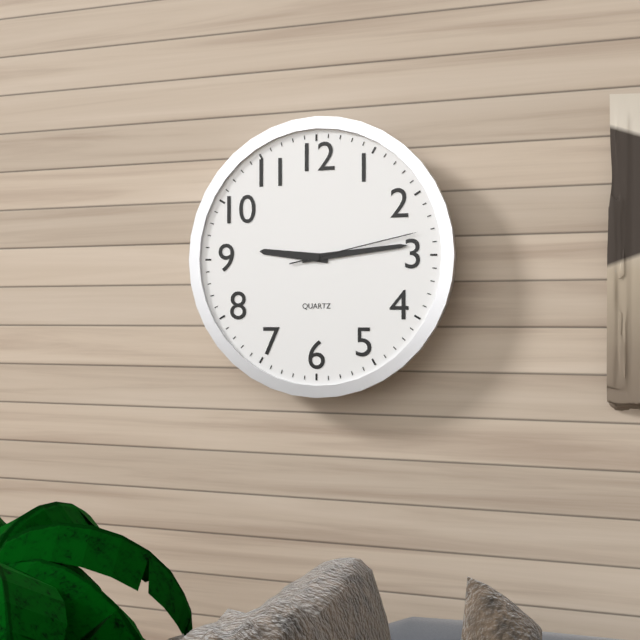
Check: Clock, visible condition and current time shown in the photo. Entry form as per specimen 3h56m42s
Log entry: 9h14m13s
